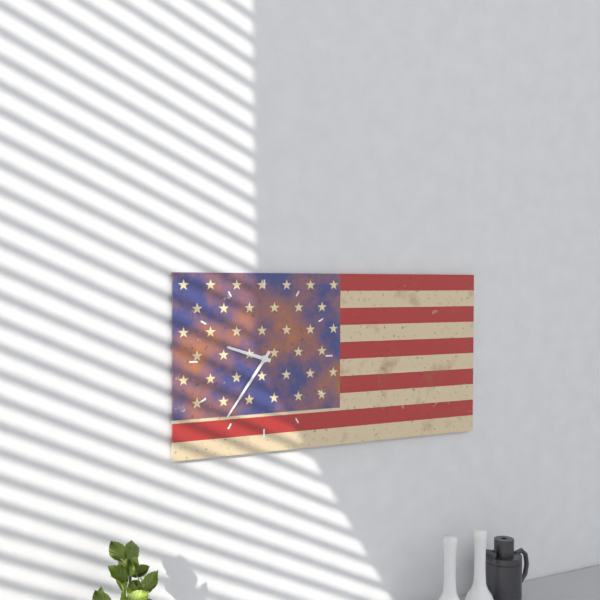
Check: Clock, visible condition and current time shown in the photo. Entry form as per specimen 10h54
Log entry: 9h36
